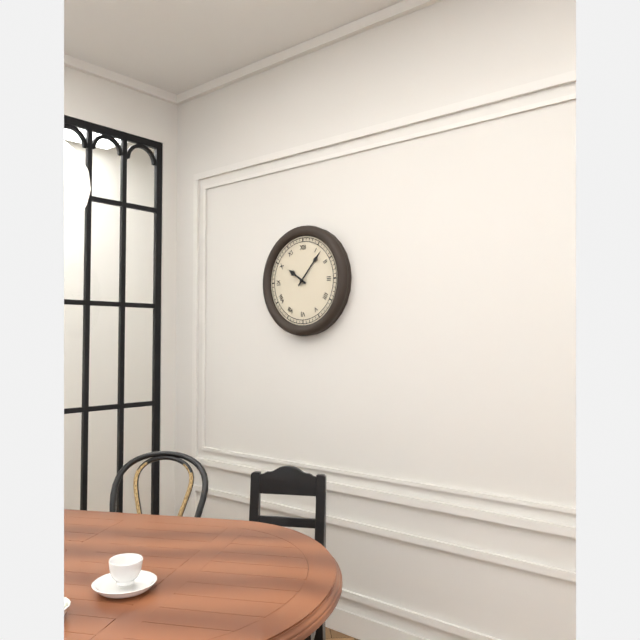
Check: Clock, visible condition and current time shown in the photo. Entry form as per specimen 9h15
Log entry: 10h07
